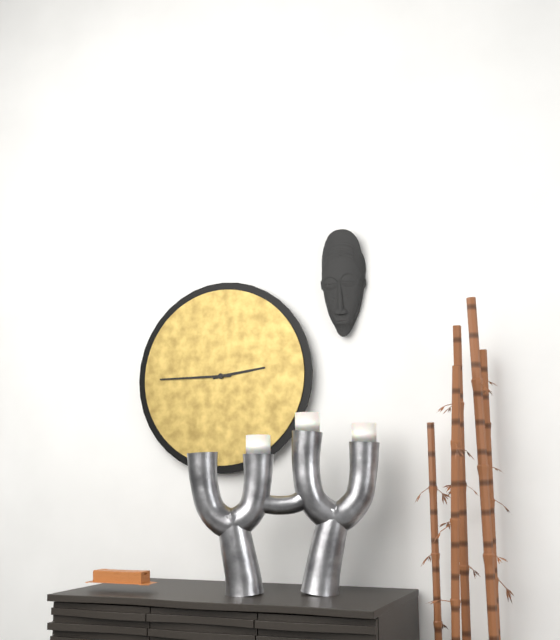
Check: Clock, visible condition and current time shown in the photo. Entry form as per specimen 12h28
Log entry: 2h45
